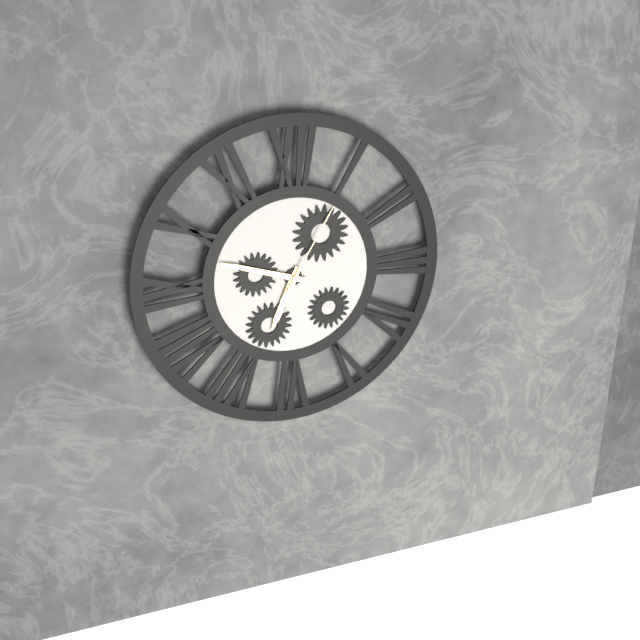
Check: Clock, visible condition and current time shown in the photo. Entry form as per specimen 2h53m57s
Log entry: 6h48m05s
